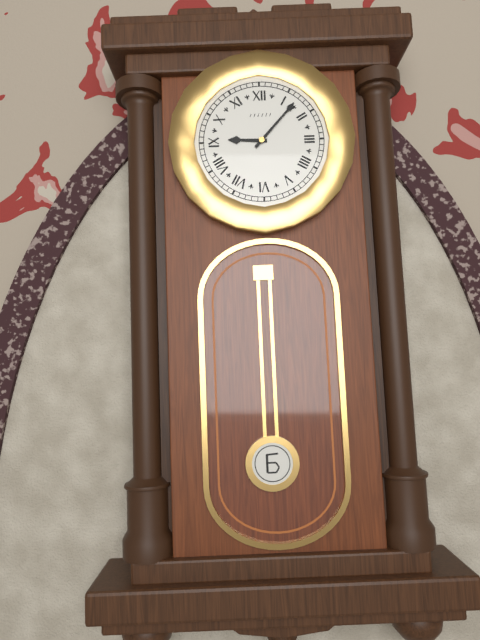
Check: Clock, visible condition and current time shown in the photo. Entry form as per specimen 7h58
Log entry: 9h07
